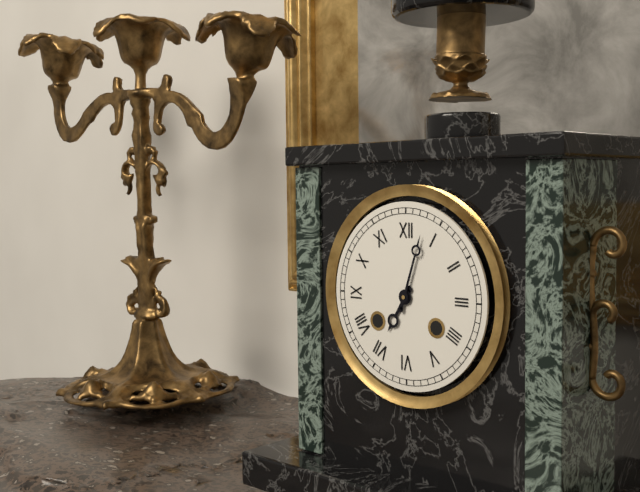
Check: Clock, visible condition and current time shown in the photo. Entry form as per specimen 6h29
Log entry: 7h03
